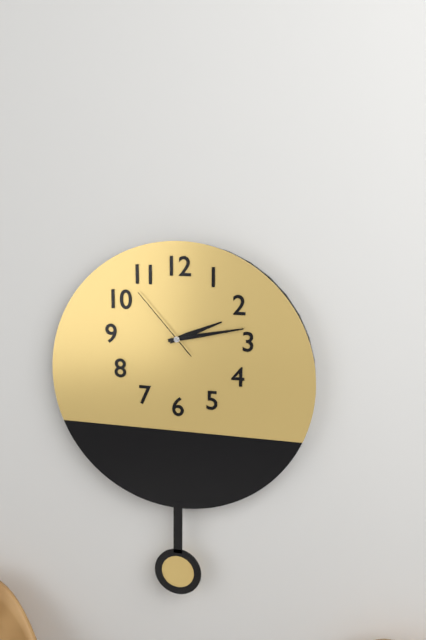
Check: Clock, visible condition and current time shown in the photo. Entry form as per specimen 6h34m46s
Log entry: 2h13m53s
